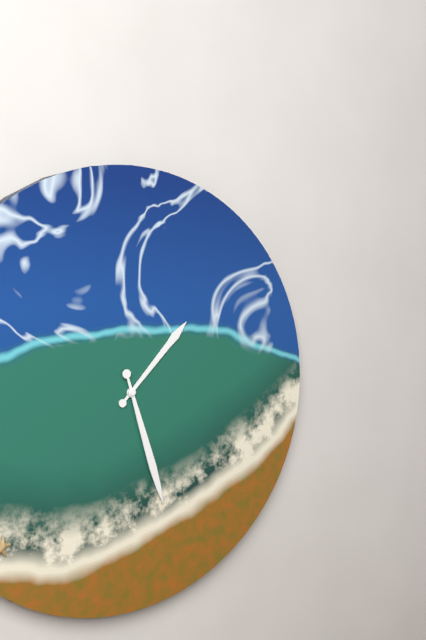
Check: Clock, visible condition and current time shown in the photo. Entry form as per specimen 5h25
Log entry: 1h27
